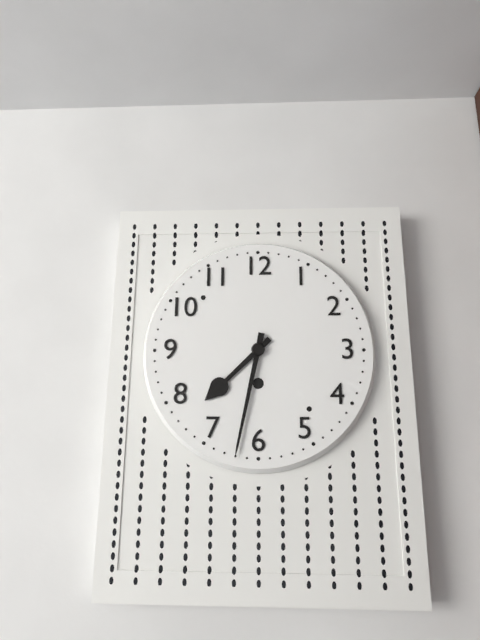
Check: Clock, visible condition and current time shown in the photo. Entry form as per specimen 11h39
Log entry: 7h32
